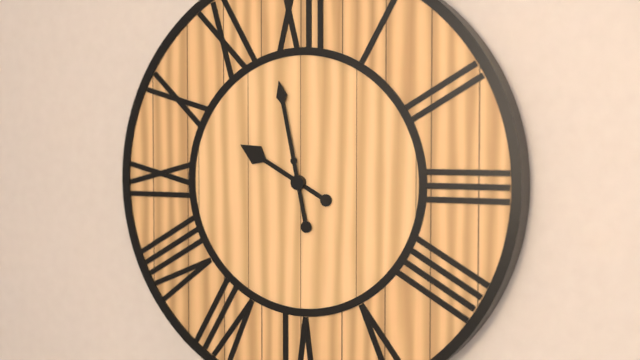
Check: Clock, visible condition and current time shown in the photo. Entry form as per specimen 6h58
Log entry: 9h58
